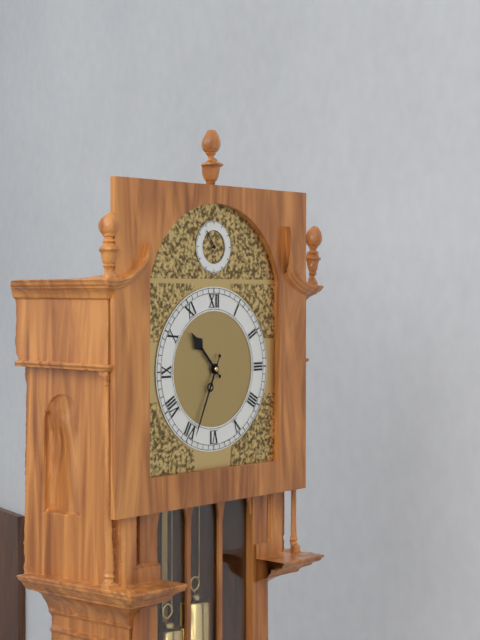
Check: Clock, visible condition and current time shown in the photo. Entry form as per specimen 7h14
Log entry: 10h34
